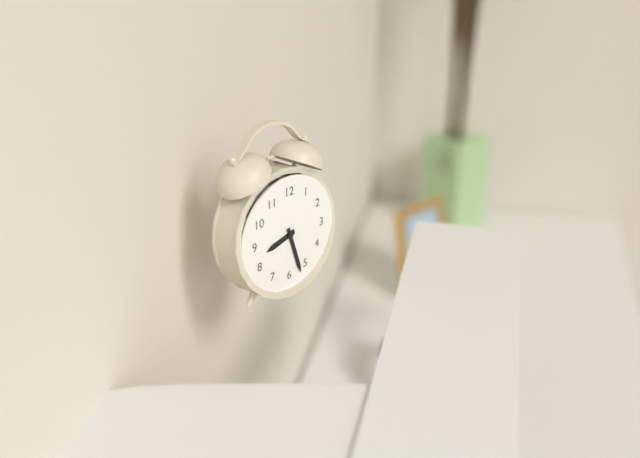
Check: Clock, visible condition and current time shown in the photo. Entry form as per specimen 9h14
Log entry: 8h27
